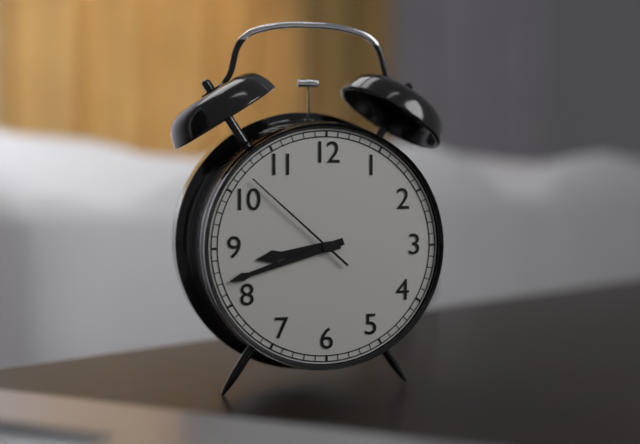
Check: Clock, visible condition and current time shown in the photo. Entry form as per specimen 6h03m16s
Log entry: 8h42m52s
